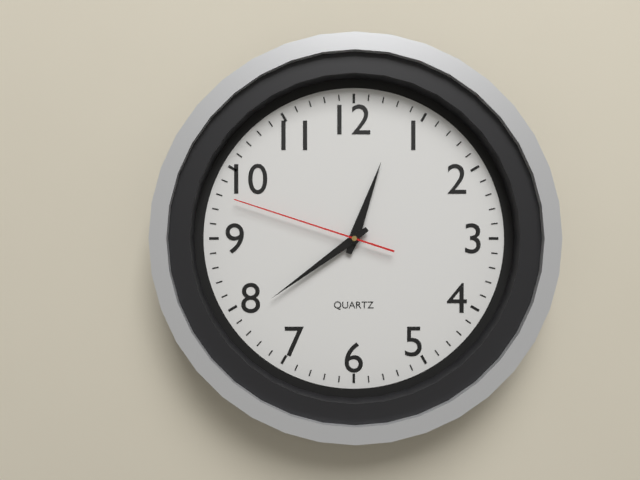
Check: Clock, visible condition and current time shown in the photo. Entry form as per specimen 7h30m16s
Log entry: 12h39m48s
